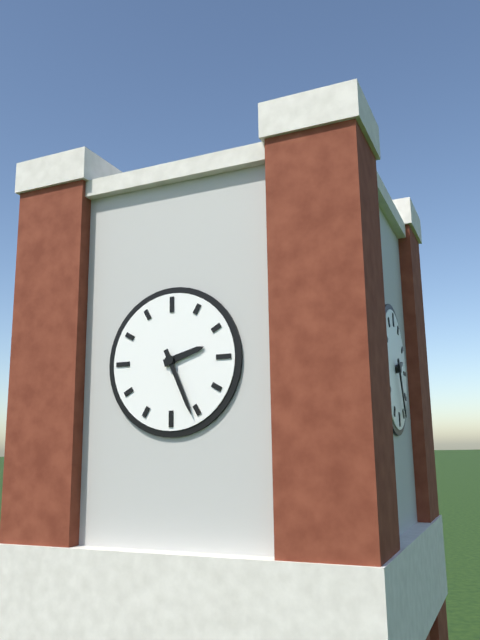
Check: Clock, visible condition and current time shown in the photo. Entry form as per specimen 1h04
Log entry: 2h26
